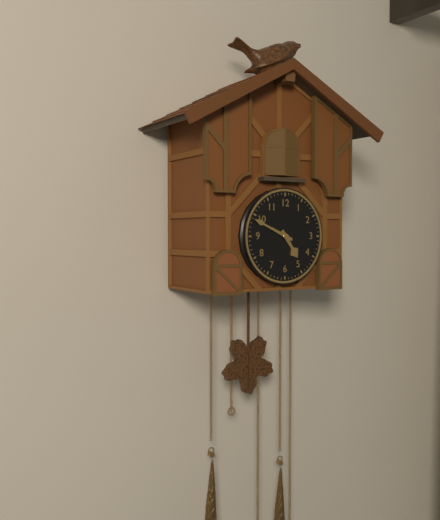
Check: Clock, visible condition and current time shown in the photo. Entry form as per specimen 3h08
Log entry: 4h49
